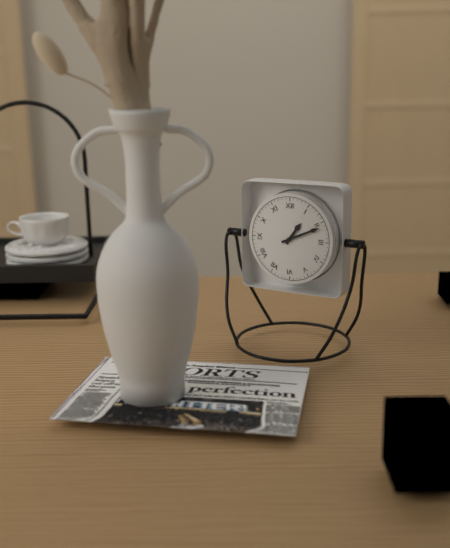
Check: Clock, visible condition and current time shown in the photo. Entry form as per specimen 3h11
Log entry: 1h11
